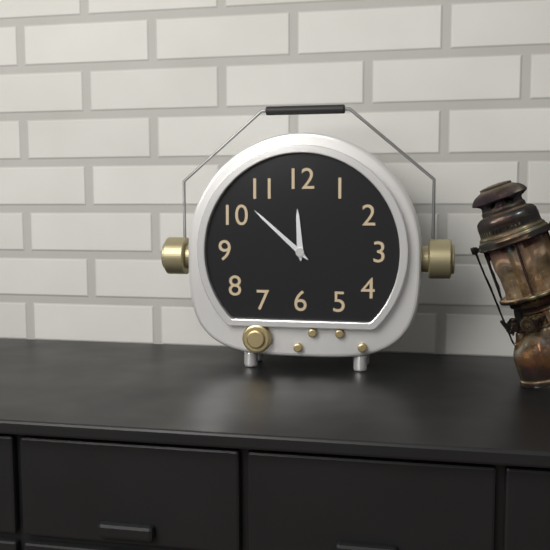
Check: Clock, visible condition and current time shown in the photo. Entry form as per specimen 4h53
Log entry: 11h52
